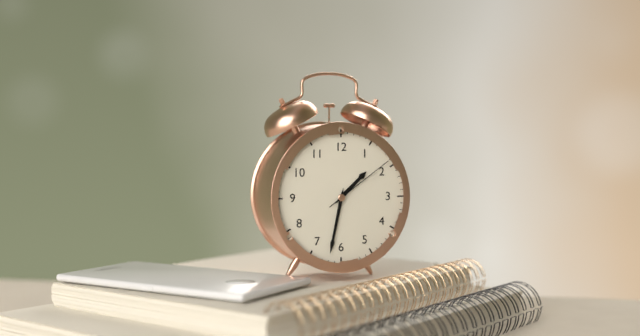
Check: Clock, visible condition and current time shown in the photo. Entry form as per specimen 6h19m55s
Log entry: 1h32m09s
